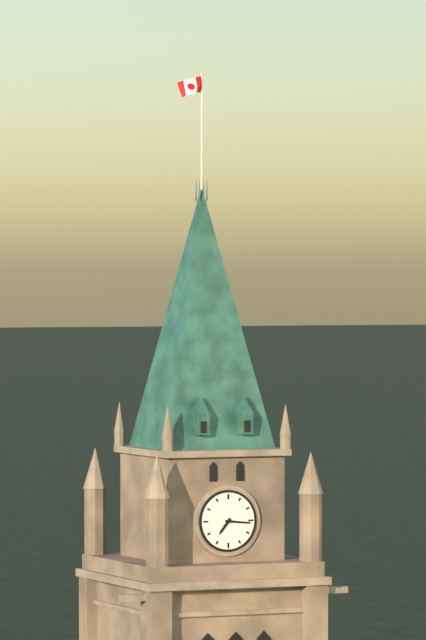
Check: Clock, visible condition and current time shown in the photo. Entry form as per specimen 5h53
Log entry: 7h16
